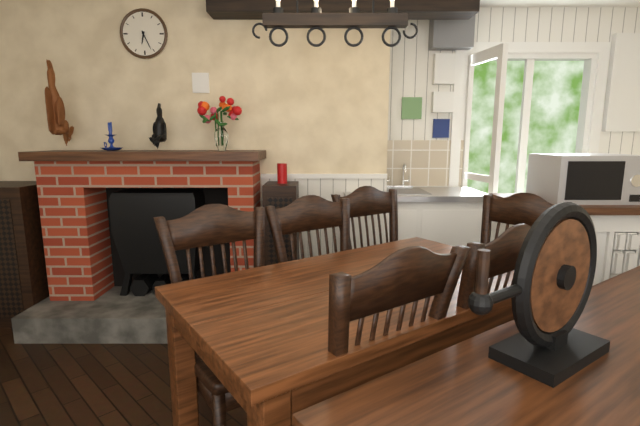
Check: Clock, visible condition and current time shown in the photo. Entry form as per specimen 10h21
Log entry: 6h26
